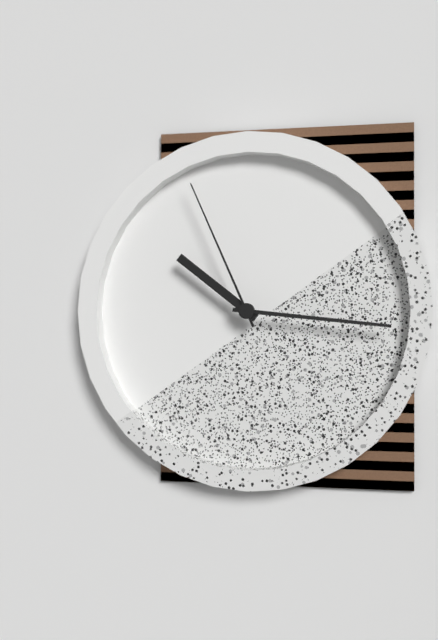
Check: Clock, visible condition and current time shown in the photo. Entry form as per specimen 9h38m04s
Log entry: 10h16m56s
